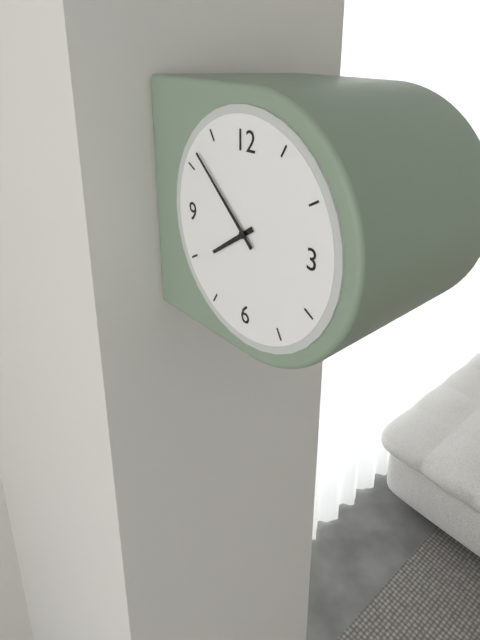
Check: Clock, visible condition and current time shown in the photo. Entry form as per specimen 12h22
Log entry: 7h52
